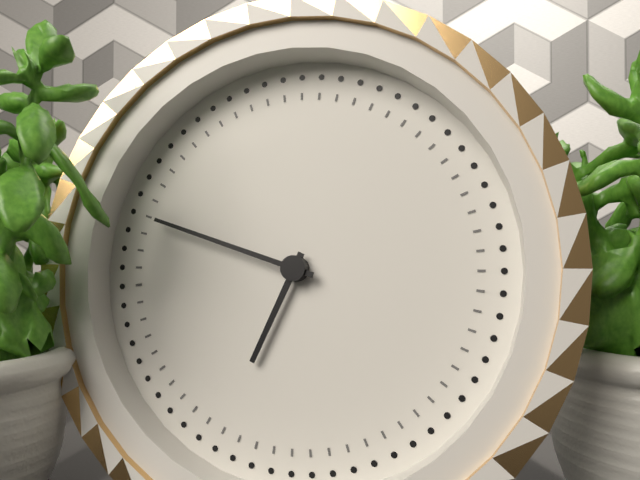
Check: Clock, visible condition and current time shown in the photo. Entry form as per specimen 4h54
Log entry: 6h48
